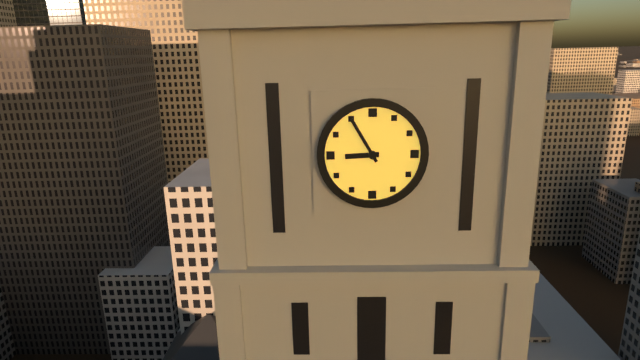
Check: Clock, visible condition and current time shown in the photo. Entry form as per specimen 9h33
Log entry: 8h55
